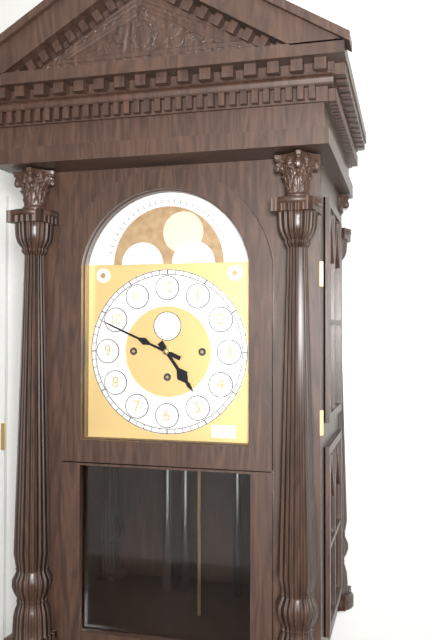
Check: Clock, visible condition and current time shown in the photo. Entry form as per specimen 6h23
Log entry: 4h49
